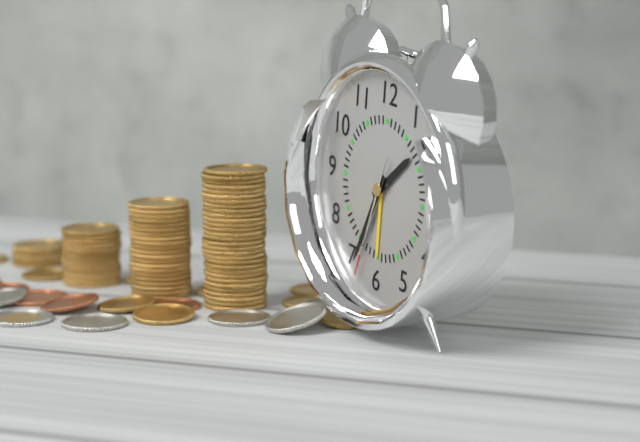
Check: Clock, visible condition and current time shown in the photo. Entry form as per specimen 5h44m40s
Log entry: 1h34m33s
